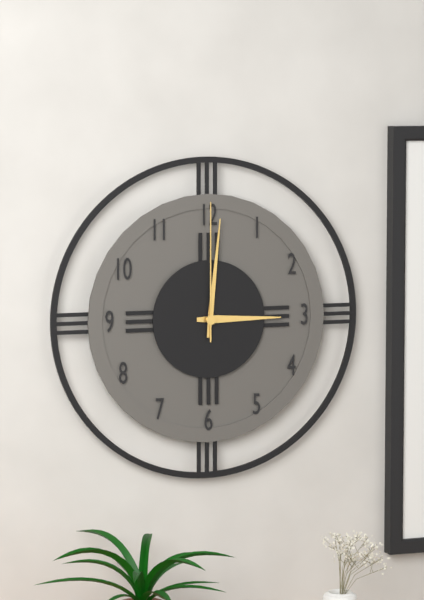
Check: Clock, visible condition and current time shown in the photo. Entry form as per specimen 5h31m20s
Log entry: 3h01m00s
